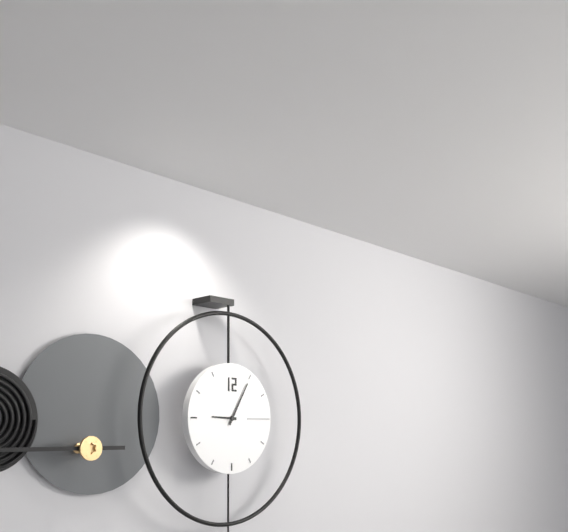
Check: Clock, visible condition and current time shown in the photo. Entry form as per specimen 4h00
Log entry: 9h05
